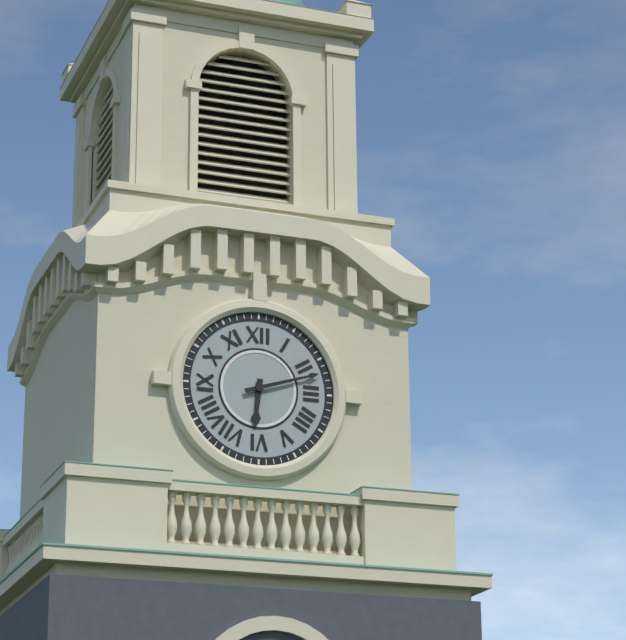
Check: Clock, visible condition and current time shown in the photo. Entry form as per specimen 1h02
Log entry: 6h12
